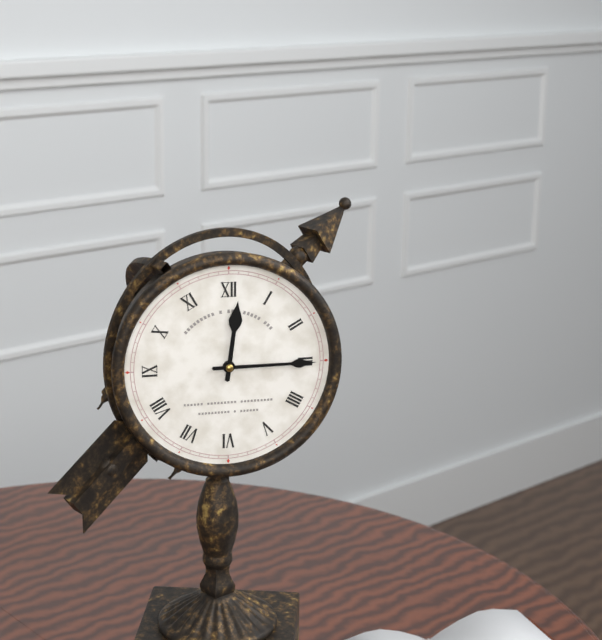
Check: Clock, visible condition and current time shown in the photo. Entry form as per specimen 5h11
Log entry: 12h15
